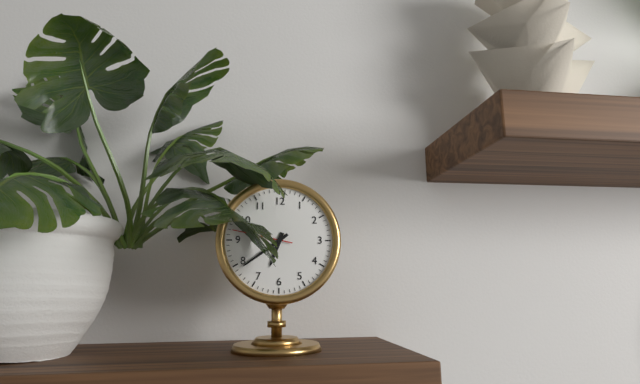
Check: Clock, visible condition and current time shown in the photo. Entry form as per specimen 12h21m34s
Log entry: 6h39m47s
